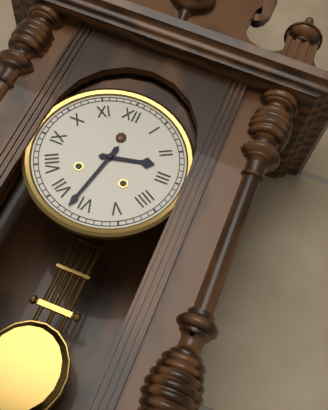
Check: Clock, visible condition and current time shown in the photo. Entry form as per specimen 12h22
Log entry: 2h32
